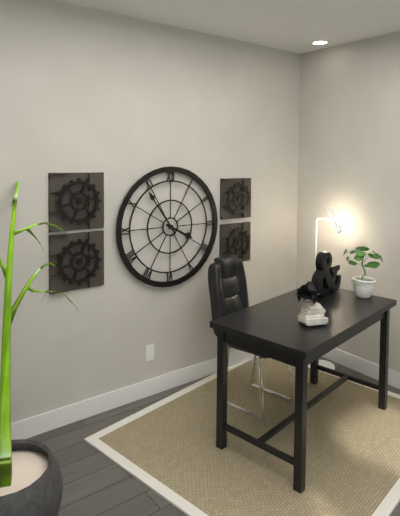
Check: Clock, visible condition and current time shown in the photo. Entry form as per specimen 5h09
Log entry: 3h54
